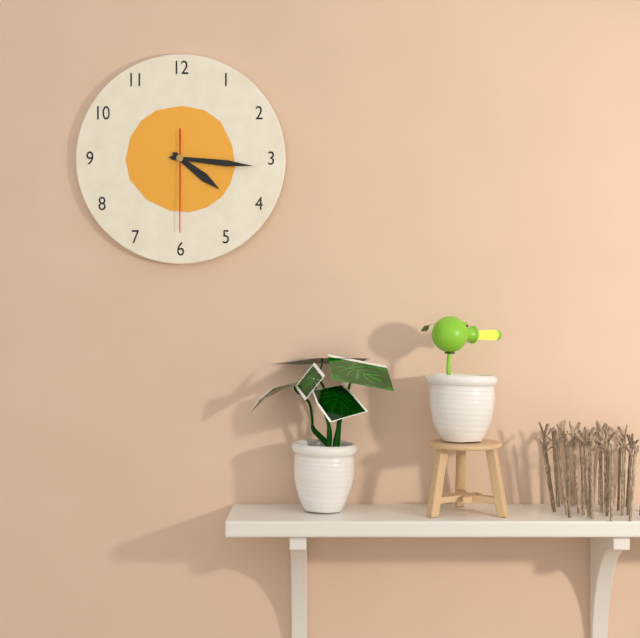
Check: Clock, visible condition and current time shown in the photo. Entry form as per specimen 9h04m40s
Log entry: 4h16m30s
